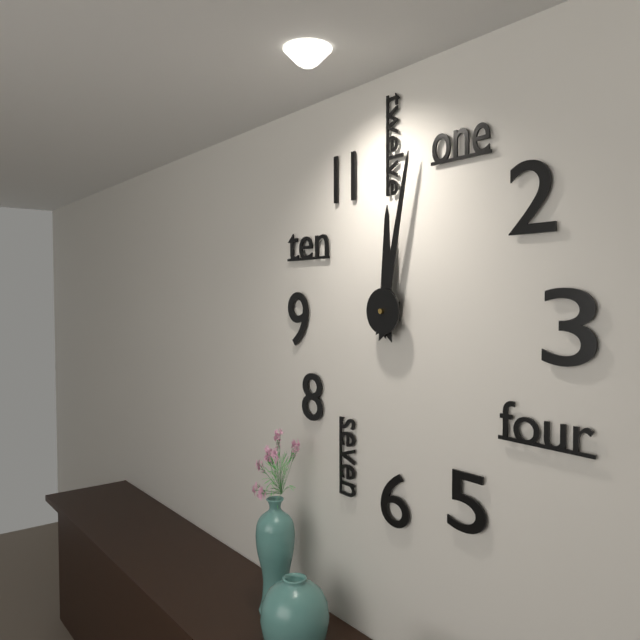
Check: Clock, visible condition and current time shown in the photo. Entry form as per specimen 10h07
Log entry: 12h02
